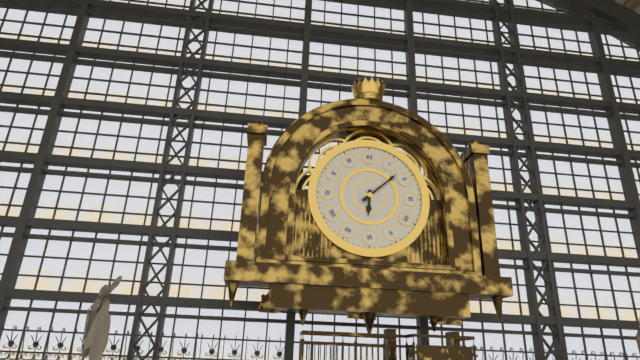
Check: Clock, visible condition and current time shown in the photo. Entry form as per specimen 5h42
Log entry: 6h08
